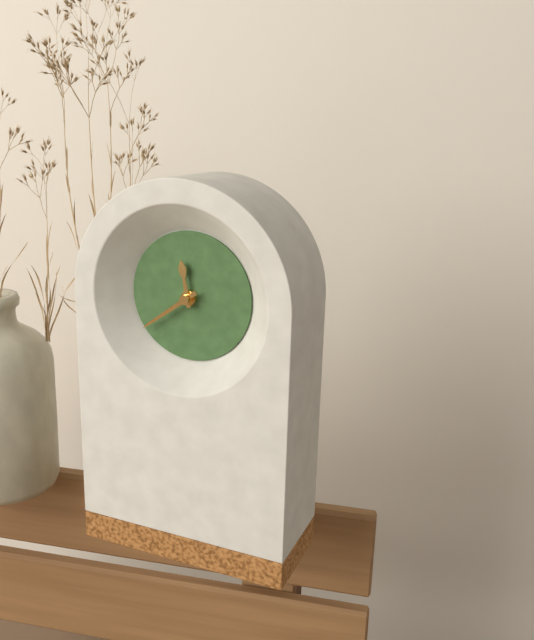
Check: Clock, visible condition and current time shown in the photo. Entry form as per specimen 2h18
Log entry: 11h39
